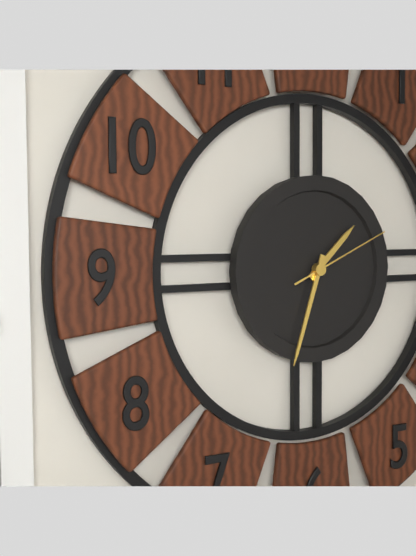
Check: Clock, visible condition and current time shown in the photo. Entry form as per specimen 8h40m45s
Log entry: 1h33m11s
